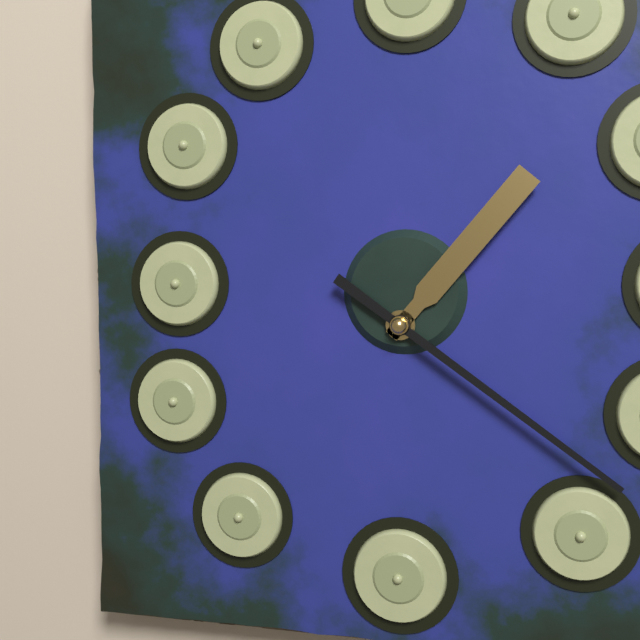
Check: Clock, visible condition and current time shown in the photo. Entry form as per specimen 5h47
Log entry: 1h21
